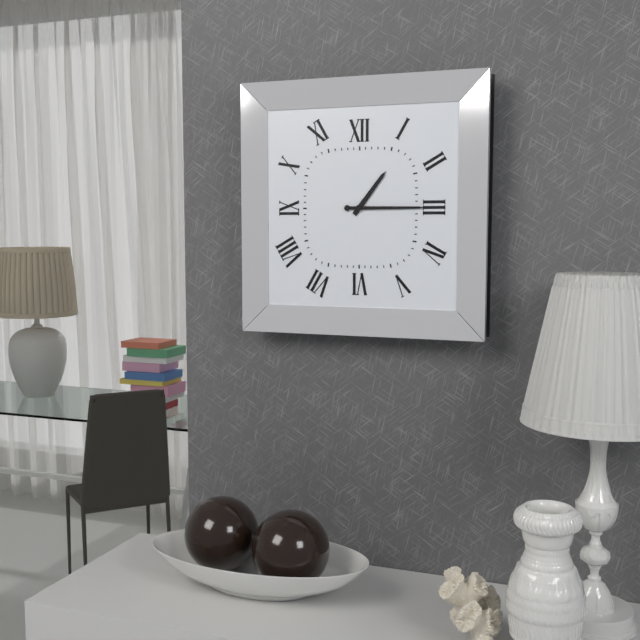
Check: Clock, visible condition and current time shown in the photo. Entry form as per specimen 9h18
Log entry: 1h15
